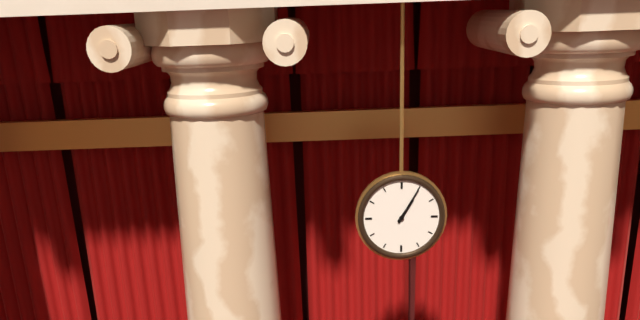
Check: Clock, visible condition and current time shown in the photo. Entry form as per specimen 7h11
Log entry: 1h05
